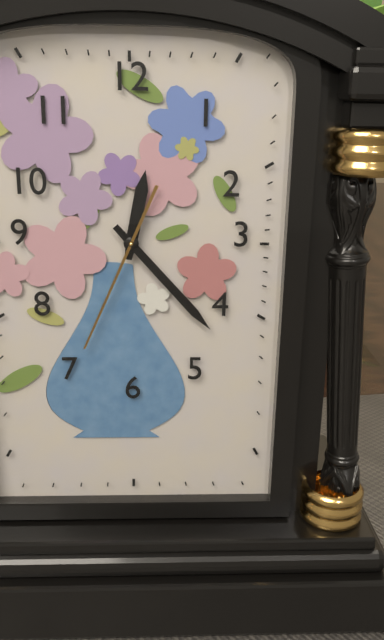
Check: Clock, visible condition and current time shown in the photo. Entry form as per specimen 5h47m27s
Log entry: 12h23m34s
